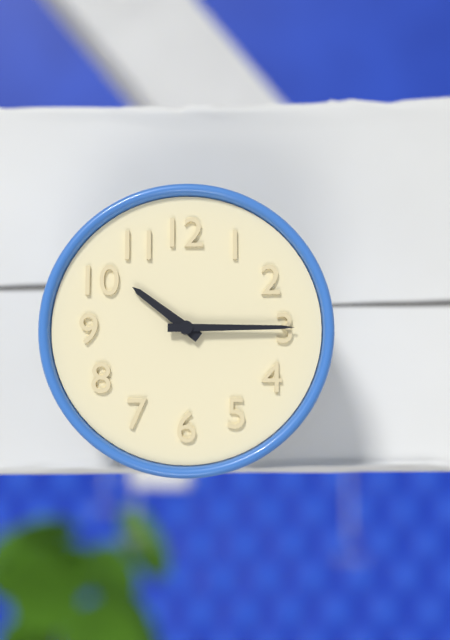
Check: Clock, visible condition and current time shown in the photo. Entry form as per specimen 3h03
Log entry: 10h15
